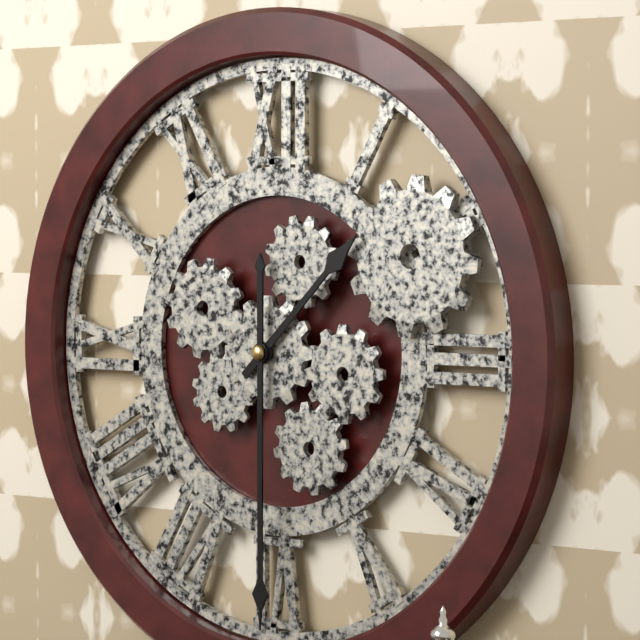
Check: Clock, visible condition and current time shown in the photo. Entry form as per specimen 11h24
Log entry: 1h30
